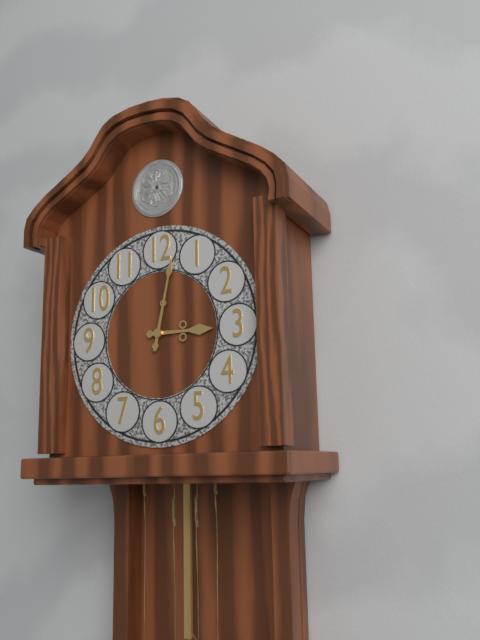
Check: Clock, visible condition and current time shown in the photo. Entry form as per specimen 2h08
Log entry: 3h02
